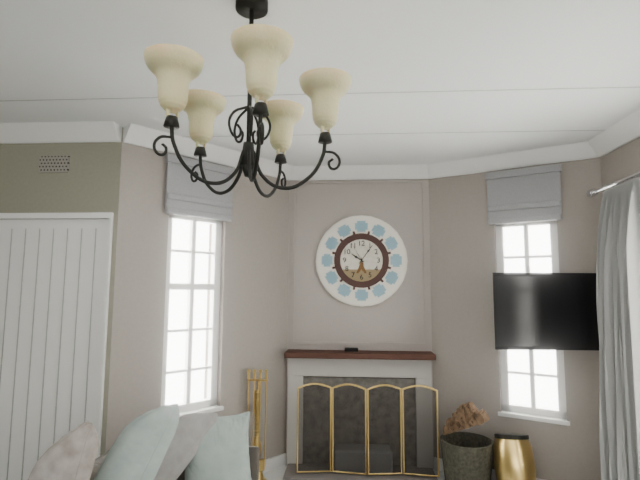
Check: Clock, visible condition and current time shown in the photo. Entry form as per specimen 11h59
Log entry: 10h06
